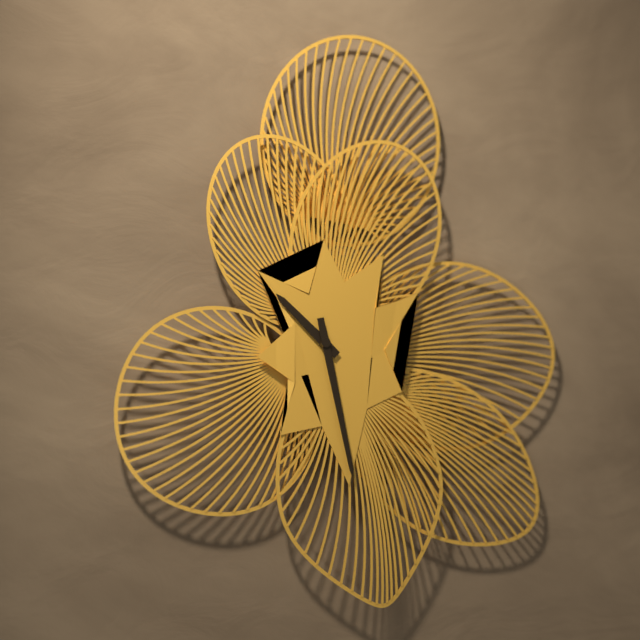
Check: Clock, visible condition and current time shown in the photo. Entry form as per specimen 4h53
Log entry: 10h28
